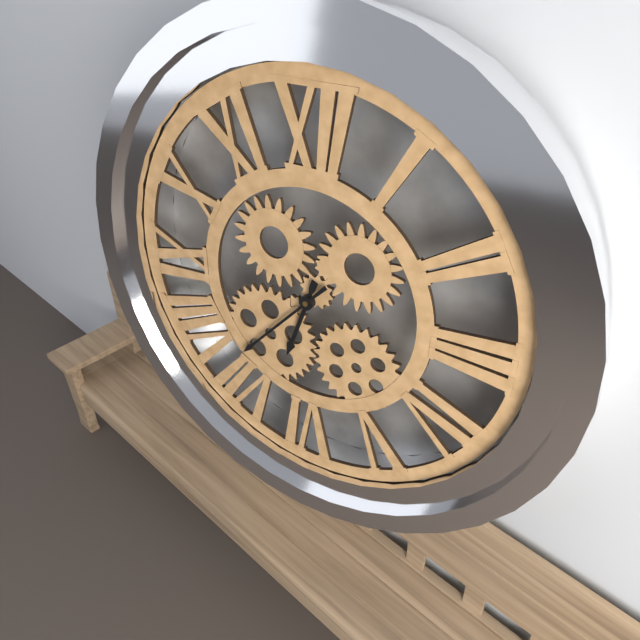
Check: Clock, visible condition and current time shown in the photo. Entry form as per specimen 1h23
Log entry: 6h37
